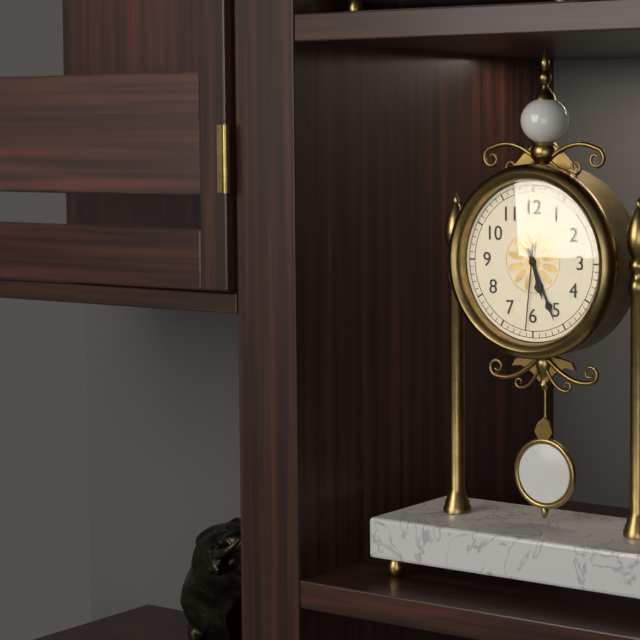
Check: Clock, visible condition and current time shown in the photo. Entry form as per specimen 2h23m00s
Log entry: 5h26m31s
